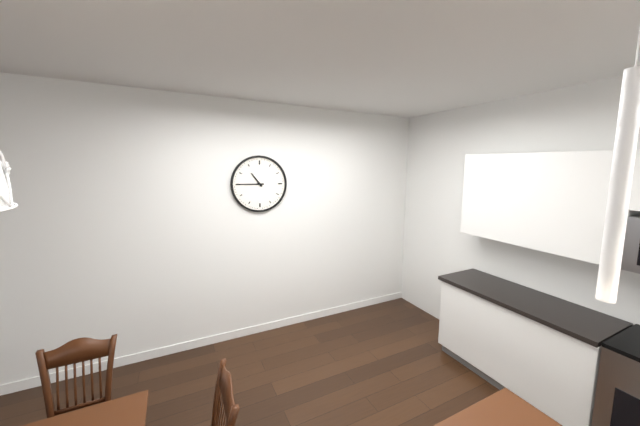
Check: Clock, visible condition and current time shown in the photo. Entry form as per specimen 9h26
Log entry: 10h45
